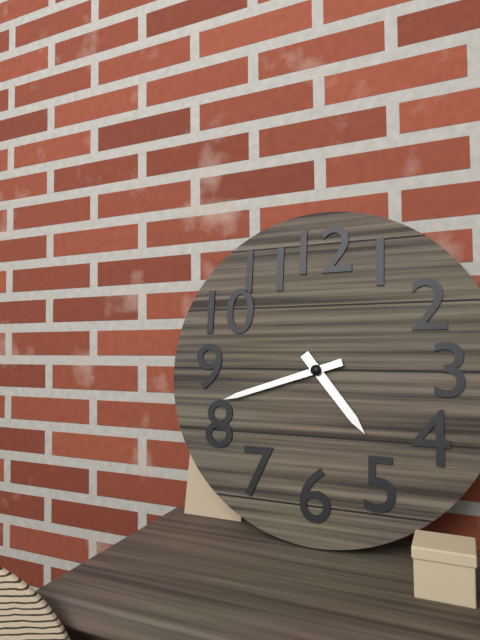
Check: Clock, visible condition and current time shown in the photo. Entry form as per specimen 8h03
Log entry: 4h42
